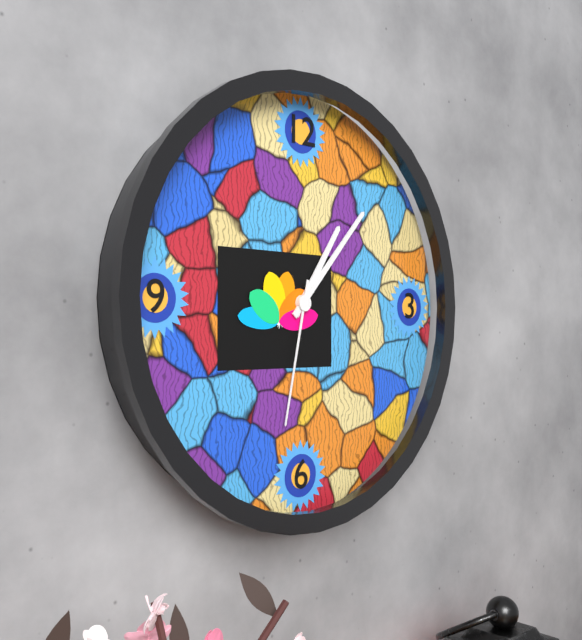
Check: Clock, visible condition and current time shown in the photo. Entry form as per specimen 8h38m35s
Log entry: 1h07m32s
